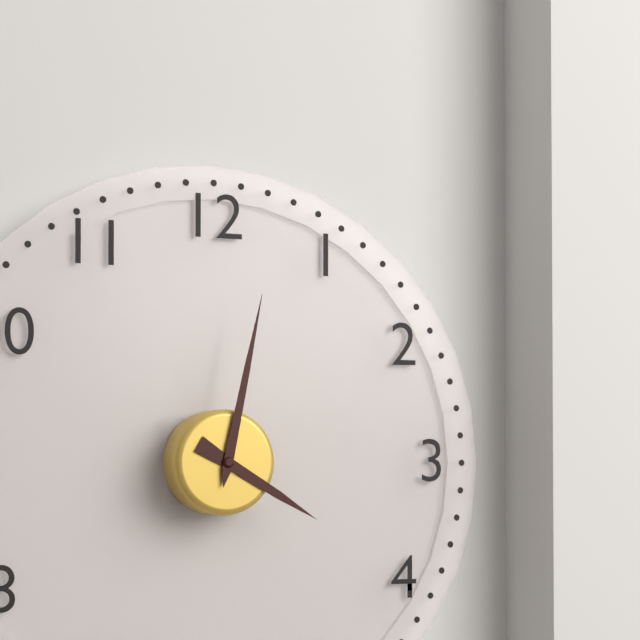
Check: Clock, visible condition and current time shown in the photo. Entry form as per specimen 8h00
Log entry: 4h02
